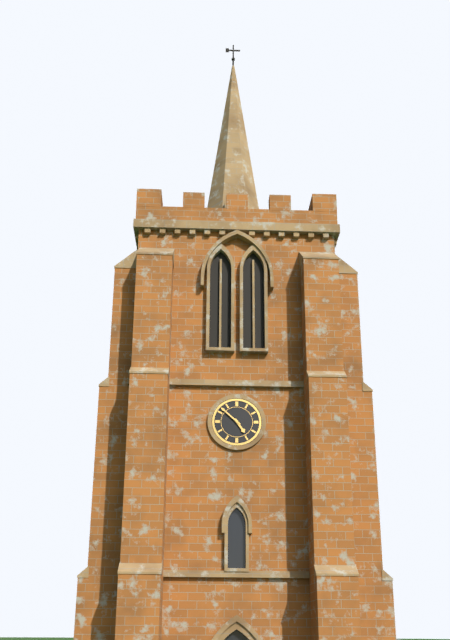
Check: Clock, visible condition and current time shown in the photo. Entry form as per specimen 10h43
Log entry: 4h52
